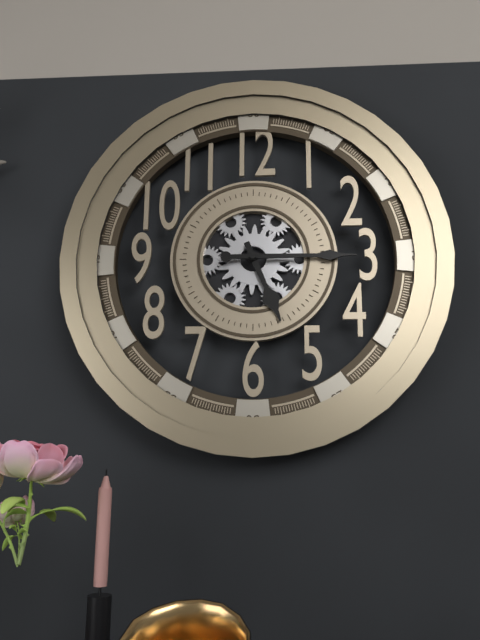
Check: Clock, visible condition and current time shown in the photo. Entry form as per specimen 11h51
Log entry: 5h15
